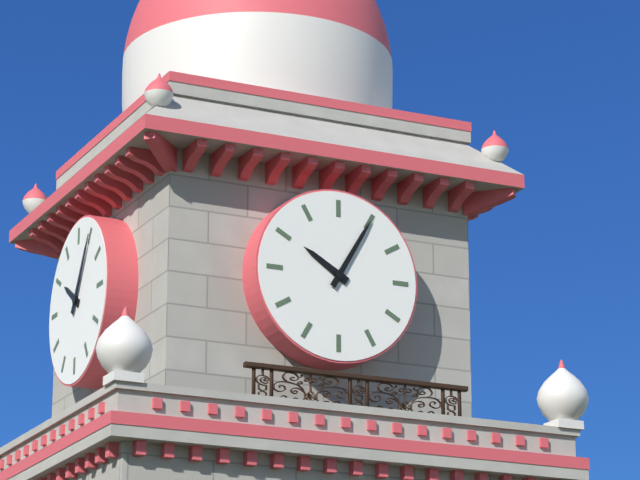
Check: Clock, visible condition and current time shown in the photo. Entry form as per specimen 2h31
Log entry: 10h05
